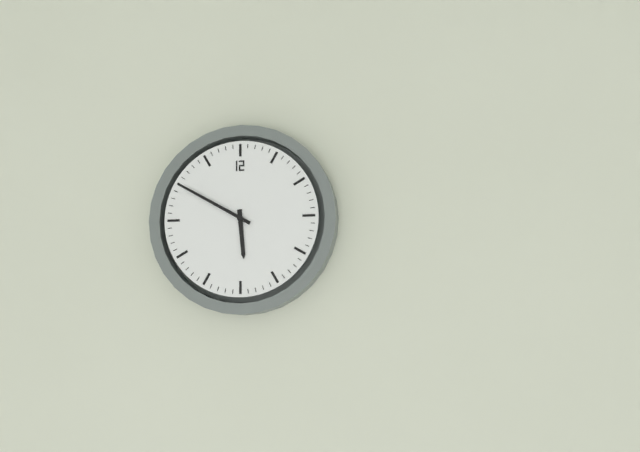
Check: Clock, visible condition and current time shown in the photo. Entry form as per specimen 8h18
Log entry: 5h50
